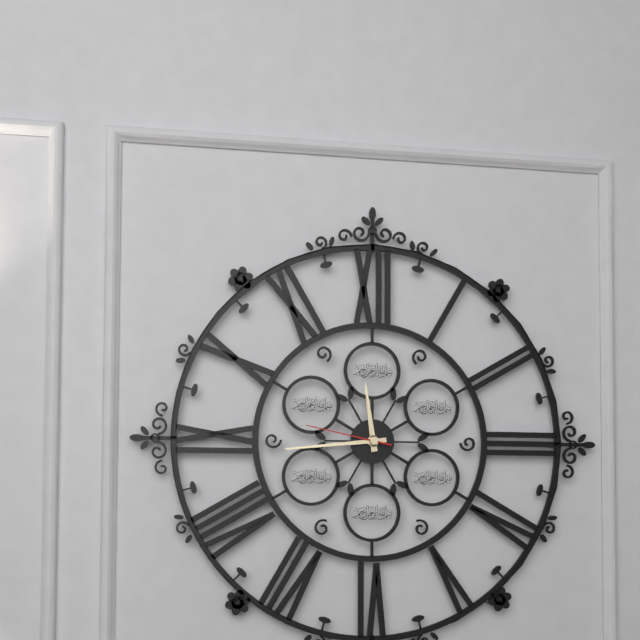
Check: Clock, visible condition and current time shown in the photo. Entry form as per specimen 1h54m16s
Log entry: 11h44m47s
